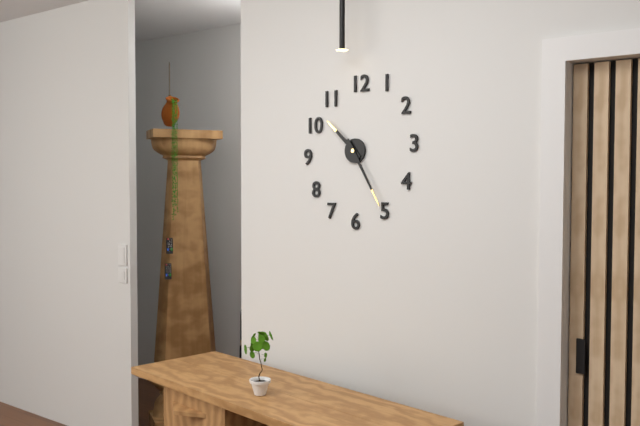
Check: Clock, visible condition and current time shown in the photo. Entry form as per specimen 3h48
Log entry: 10h25
